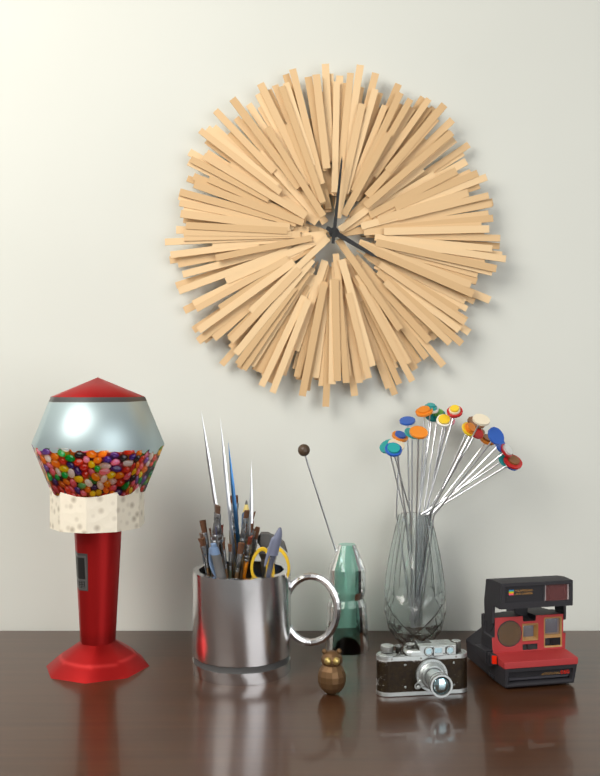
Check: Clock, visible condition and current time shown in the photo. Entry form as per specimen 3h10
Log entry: 4h01
